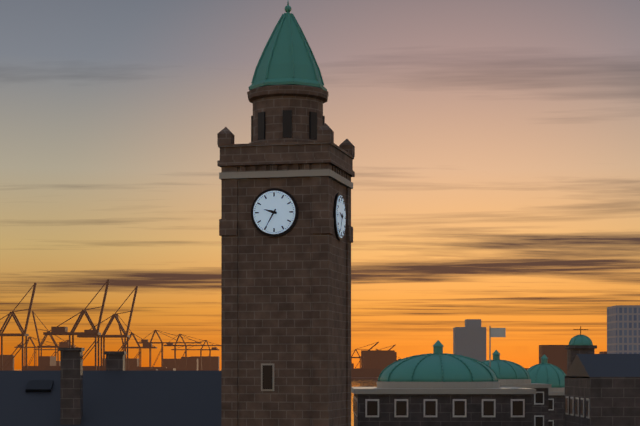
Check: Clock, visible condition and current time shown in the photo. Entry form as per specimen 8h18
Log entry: 9h35
